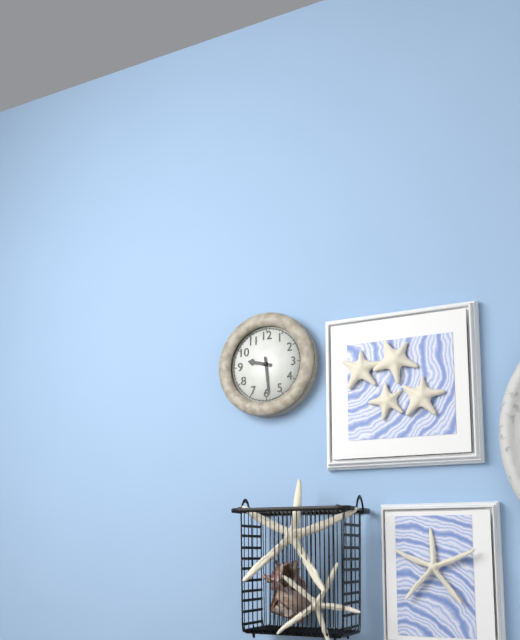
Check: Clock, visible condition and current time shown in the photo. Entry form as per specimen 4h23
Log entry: 9h29
